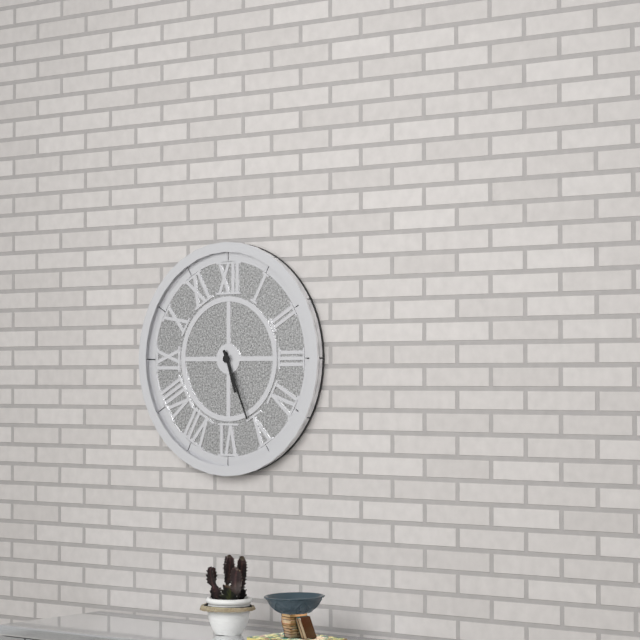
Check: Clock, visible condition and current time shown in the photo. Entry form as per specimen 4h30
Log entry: 5h26
